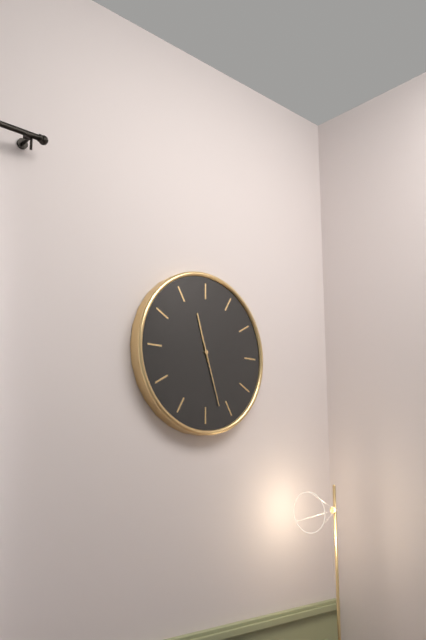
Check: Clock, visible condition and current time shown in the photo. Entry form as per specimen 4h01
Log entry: 11h27
